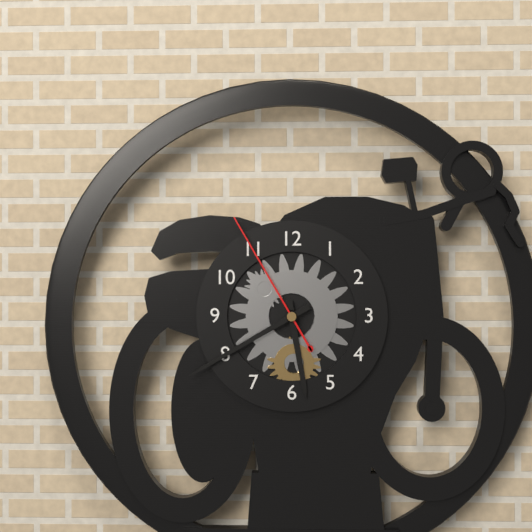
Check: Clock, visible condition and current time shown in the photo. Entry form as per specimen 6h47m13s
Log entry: 5h40m55s
